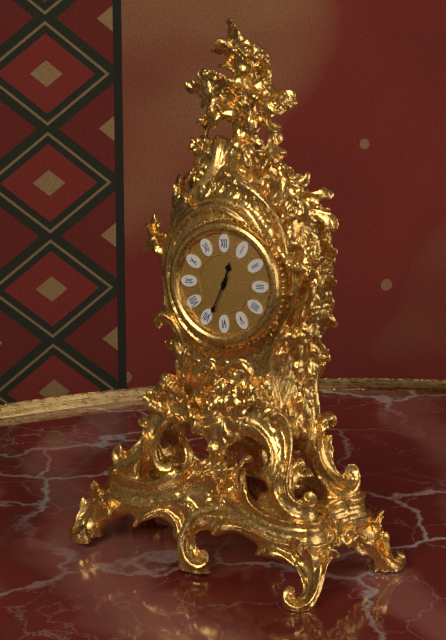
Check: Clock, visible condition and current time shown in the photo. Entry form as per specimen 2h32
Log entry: 12h34
